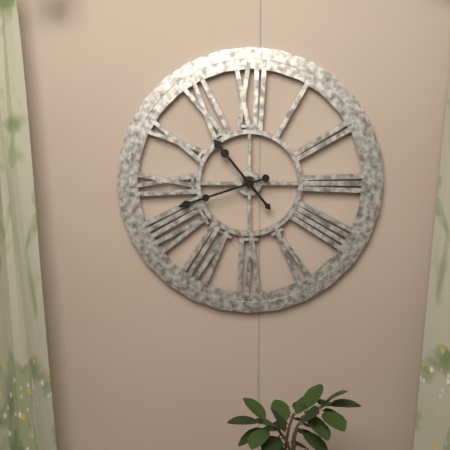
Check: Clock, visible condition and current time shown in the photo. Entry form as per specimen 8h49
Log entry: 10h42
